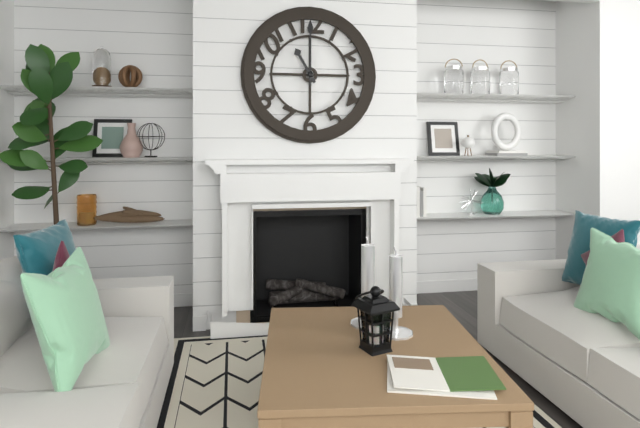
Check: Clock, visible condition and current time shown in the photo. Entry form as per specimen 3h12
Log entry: 11h00
